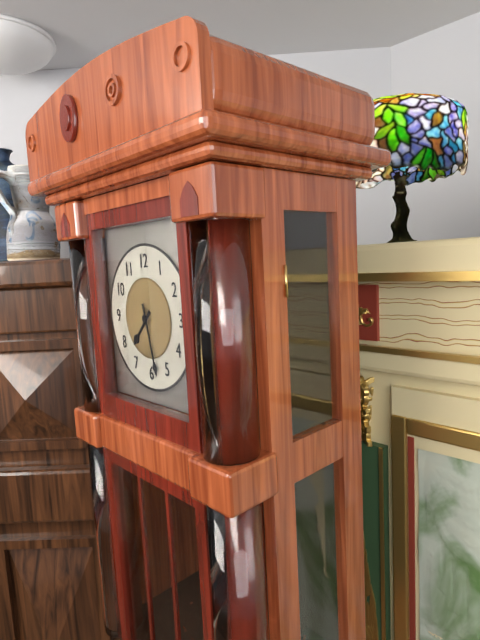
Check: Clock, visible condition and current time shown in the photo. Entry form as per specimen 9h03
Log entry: 7h28
